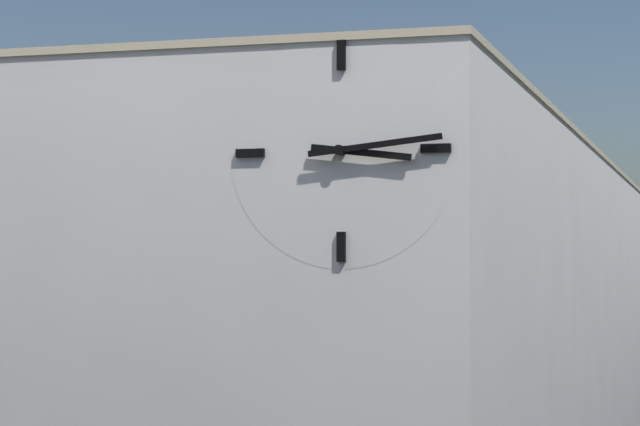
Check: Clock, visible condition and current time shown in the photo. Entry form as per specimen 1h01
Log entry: 3h14
